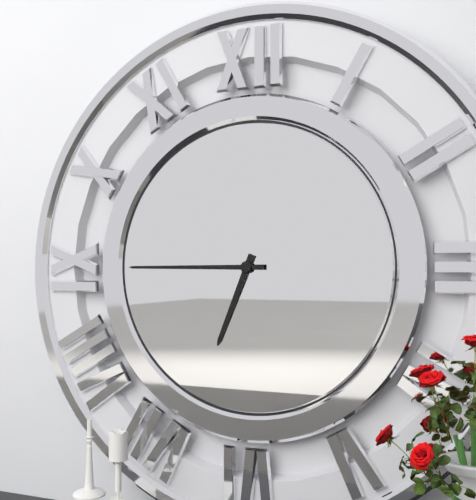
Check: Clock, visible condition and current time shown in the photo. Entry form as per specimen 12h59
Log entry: 6h45
